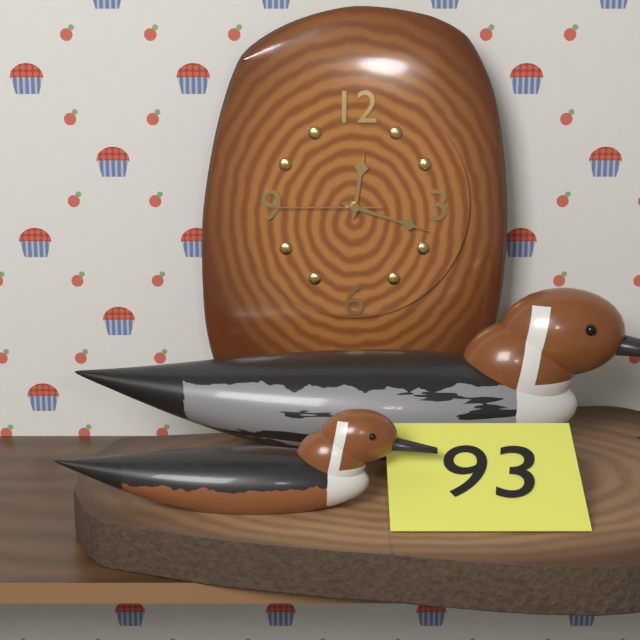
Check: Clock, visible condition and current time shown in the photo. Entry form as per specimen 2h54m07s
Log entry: 12h18m45s
